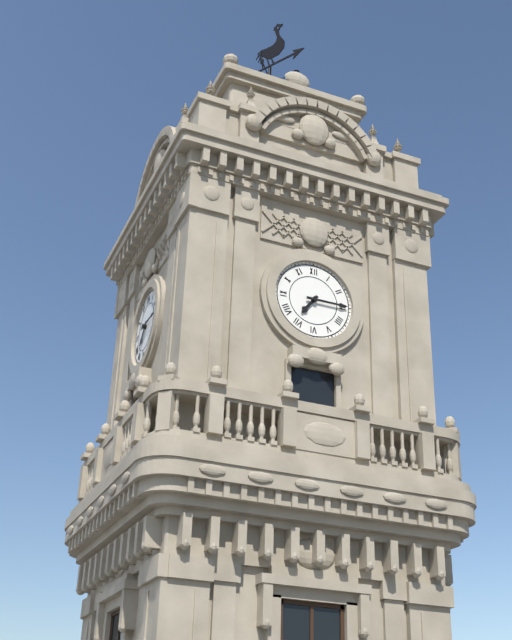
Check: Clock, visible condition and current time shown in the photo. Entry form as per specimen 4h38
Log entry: 7h15
